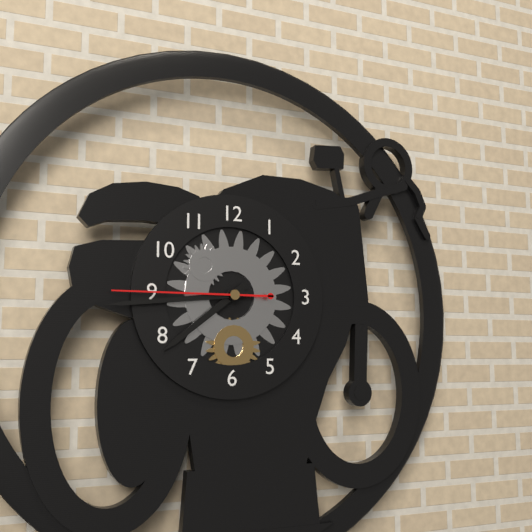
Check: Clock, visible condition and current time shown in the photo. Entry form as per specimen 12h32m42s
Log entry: 7h44m45s
